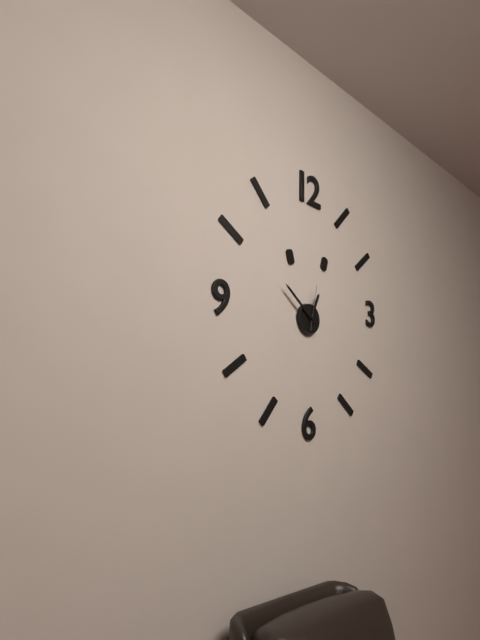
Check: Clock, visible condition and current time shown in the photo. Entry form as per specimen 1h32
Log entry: 12h51
